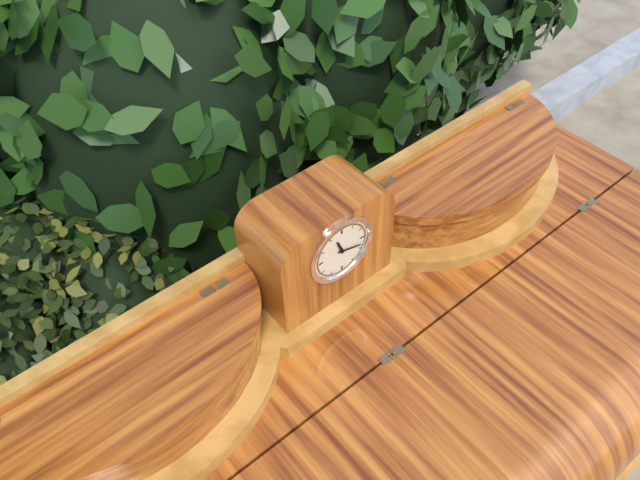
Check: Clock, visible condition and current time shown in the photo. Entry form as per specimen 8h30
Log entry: 11h18
